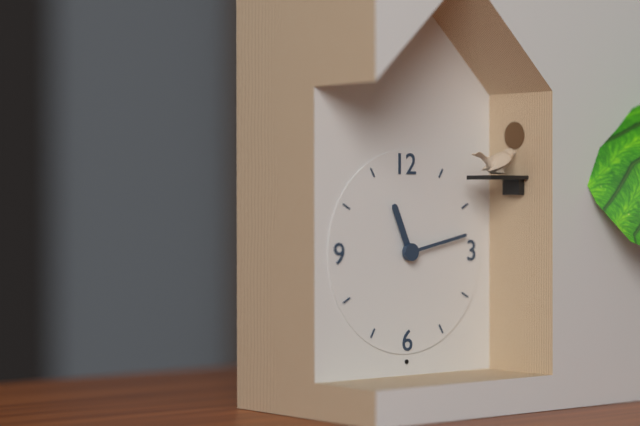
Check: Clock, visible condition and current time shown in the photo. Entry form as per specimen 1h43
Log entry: 11h13
